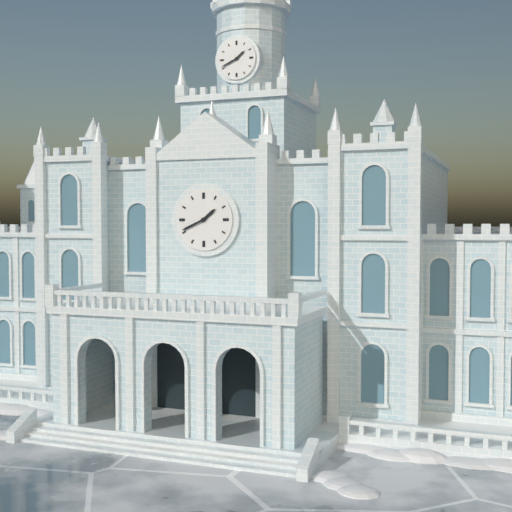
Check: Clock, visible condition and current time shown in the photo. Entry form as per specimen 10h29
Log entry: 1h41
